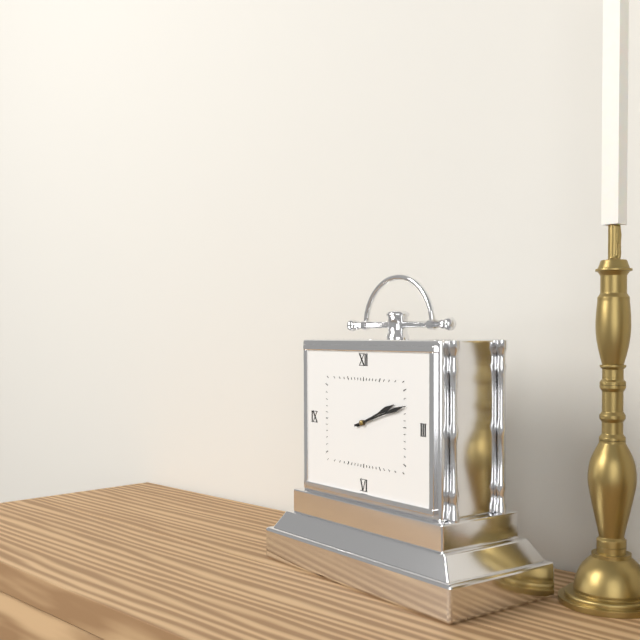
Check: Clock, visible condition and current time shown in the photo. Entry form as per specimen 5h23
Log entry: 2h12
